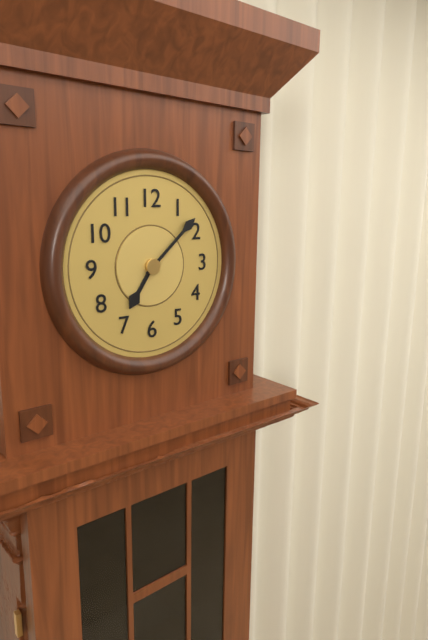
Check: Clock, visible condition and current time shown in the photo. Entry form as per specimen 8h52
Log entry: 7h08
